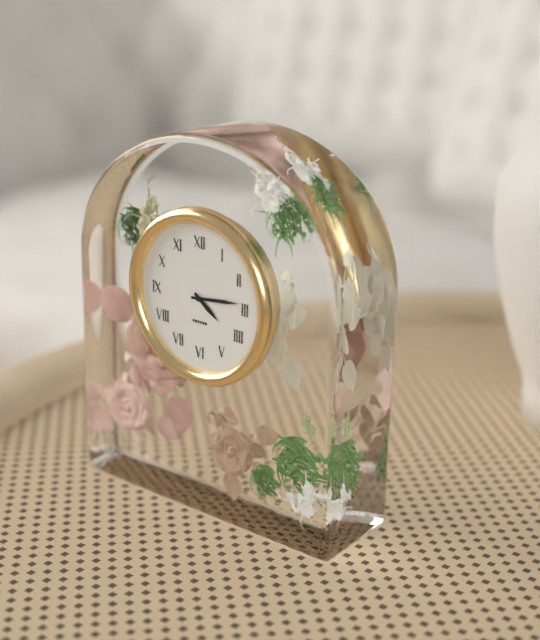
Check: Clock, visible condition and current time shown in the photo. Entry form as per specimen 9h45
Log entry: 4h14
